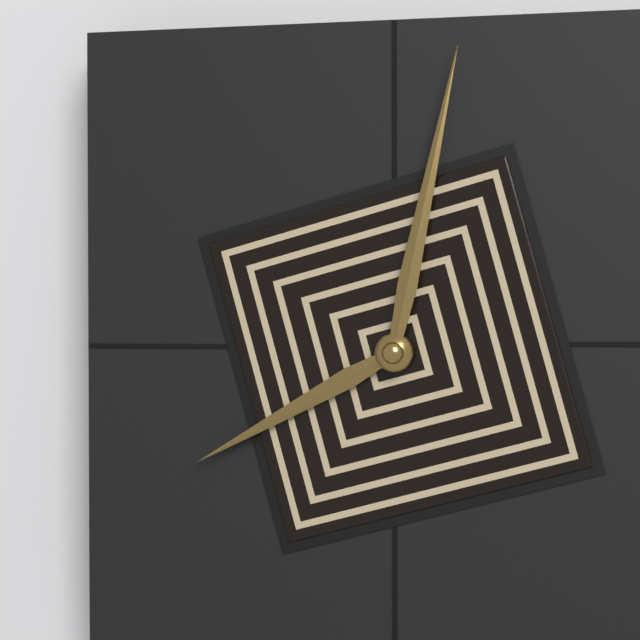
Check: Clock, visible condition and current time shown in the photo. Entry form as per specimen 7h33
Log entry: 8h02
